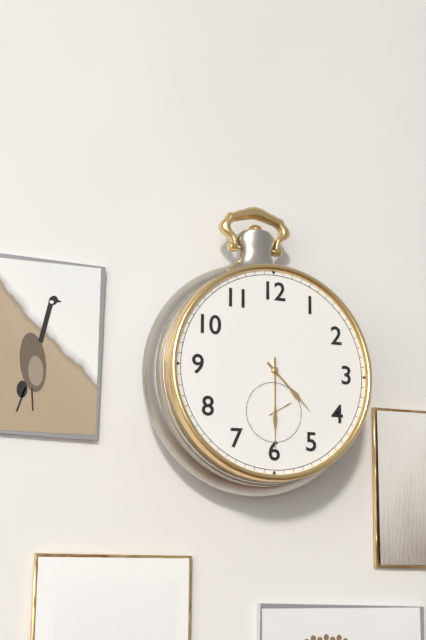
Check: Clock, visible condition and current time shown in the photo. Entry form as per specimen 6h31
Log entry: 4h30
